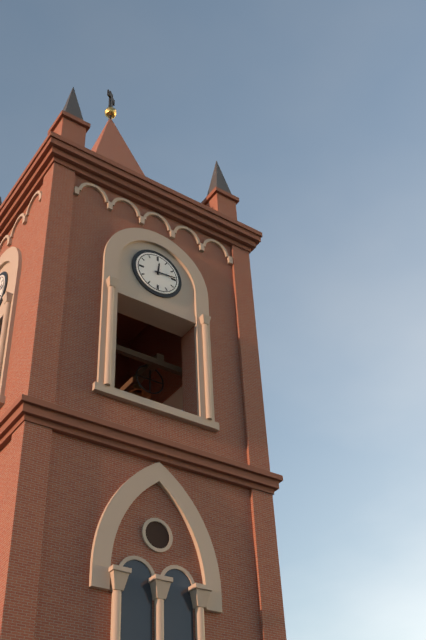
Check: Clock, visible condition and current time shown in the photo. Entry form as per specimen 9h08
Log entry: 12h14
